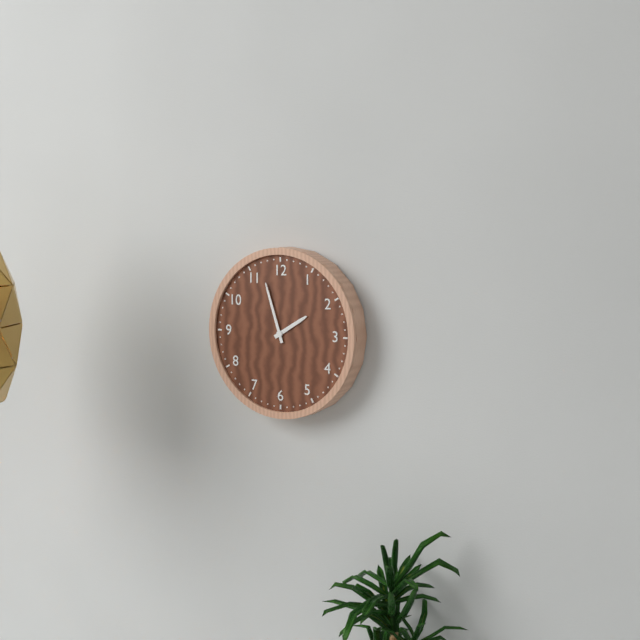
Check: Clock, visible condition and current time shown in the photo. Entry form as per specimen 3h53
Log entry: 1h57
